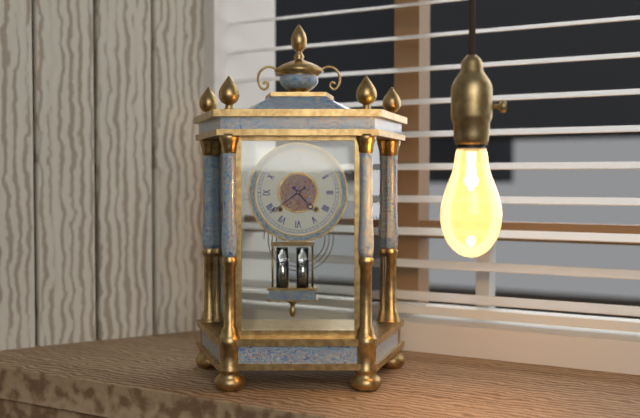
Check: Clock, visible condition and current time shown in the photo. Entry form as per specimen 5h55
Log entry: 4h39
